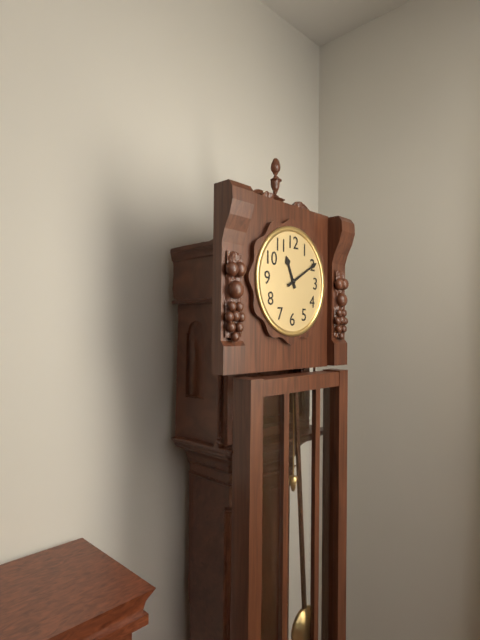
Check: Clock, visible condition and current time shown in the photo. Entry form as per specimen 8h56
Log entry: 11h10
